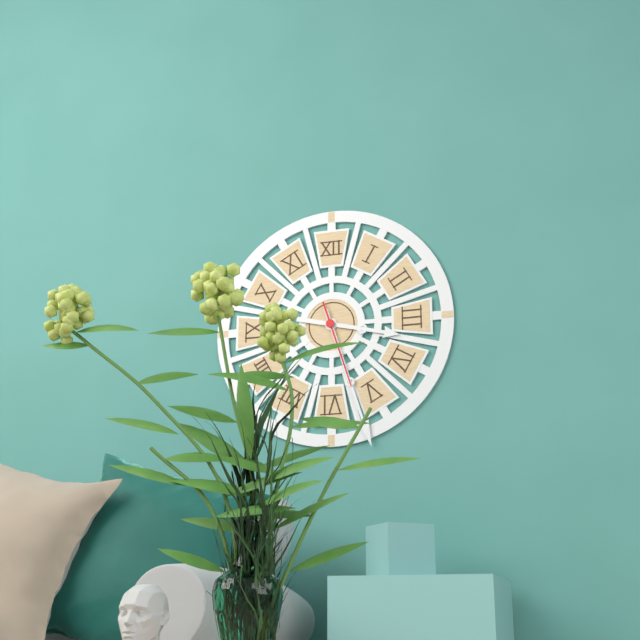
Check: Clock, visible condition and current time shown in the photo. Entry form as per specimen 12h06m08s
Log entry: 3h27m27s
